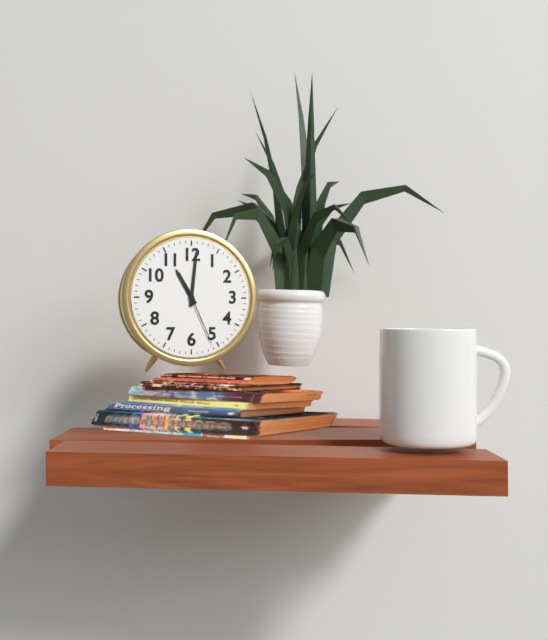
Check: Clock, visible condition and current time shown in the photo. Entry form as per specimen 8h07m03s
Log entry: 11h01m26s
